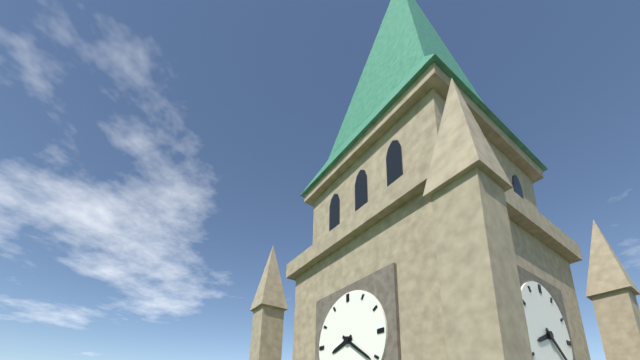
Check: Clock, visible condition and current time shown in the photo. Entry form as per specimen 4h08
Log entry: 8h21
